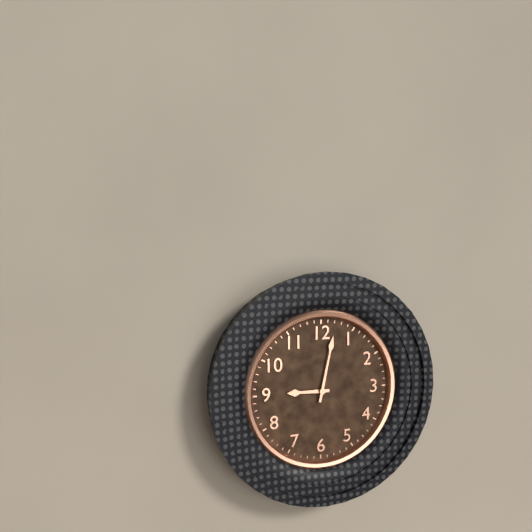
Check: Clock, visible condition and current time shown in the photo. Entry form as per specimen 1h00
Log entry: 9h02
